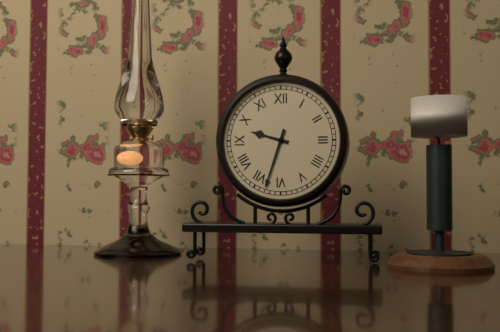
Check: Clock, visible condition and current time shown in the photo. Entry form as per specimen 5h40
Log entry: 9h33
